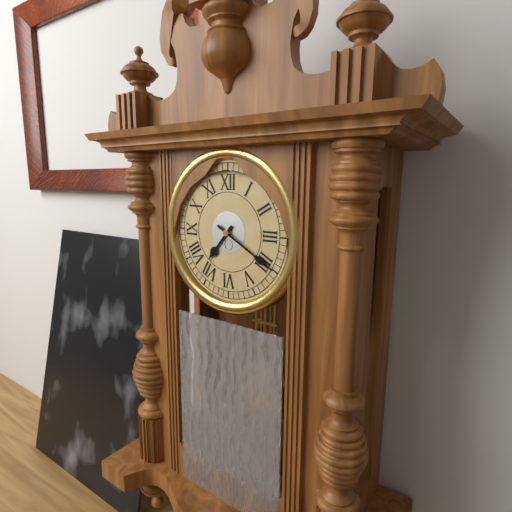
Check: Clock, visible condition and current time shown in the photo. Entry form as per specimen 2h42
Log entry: 7h20
